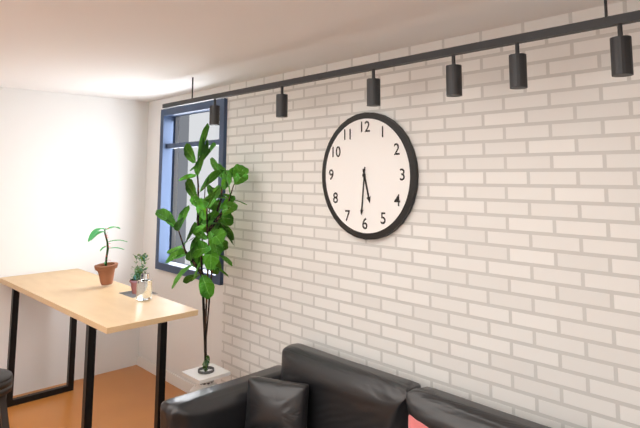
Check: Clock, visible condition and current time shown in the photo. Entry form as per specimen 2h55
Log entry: 5h31
